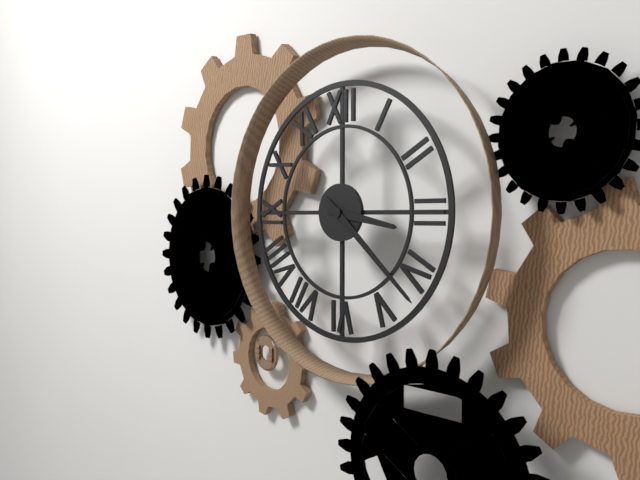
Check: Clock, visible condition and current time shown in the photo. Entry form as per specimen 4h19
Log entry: 3h22
